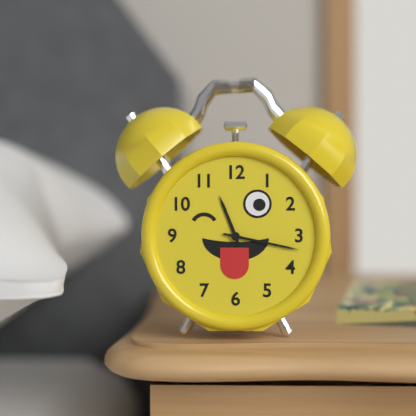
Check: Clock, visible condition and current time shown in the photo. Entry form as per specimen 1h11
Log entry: 11h17
